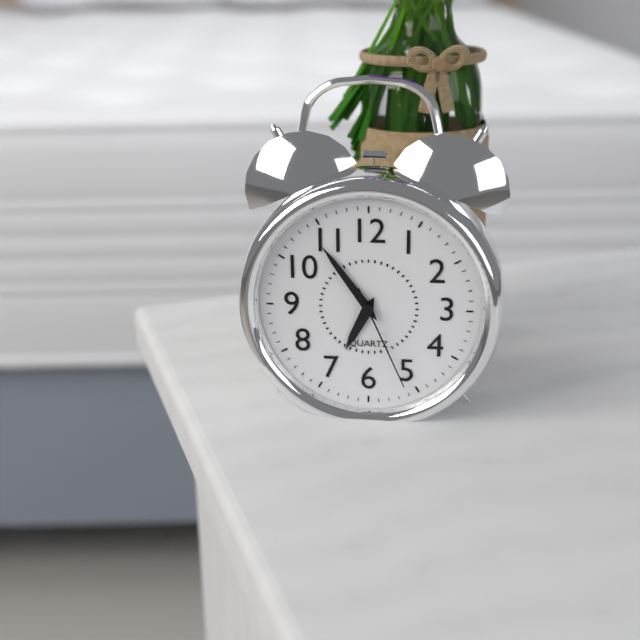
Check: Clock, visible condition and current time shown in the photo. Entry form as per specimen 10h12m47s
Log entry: 6h54m26s
